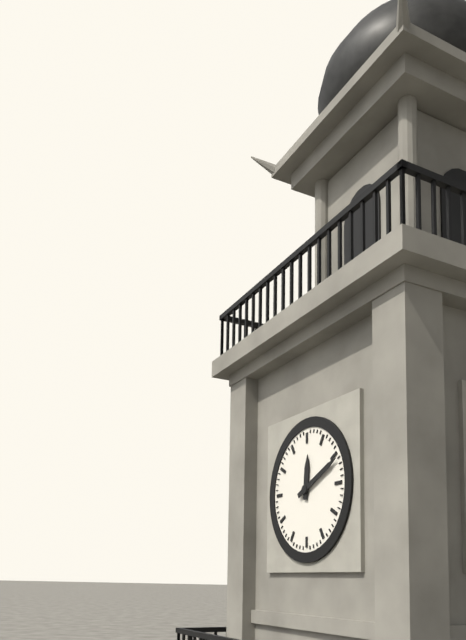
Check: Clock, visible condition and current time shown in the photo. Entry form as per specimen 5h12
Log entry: 12h11
